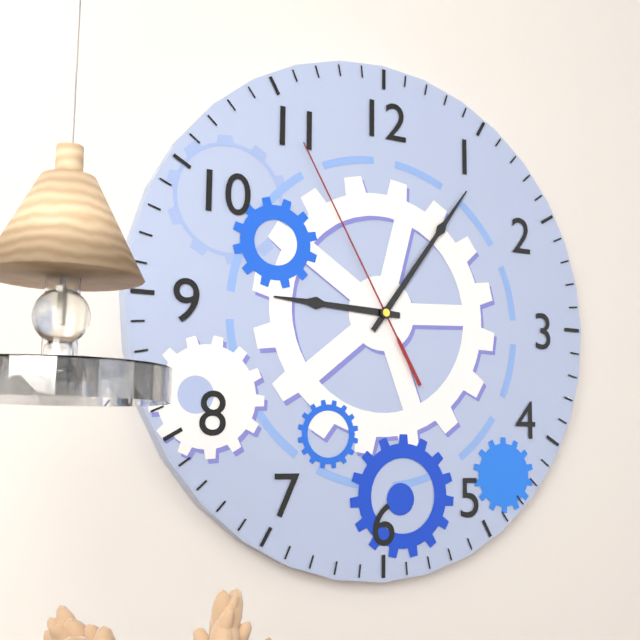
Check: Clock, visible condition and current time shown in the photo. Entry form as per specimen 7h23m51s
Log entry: 9h06m55s
